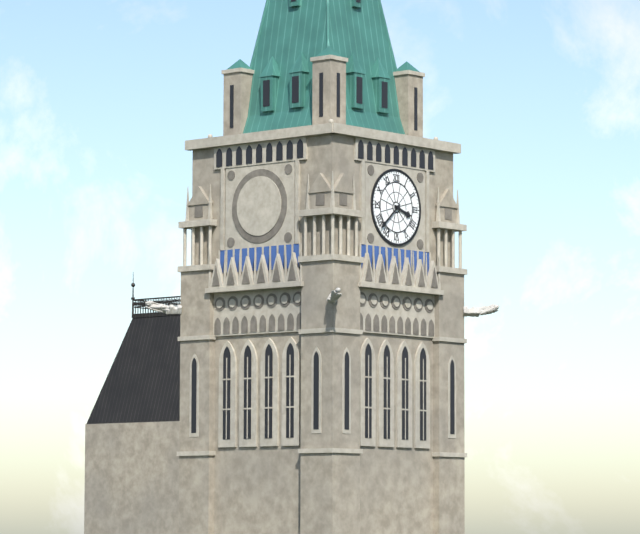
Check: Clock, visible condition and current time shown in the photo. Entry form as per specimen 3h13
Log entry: 3h38
